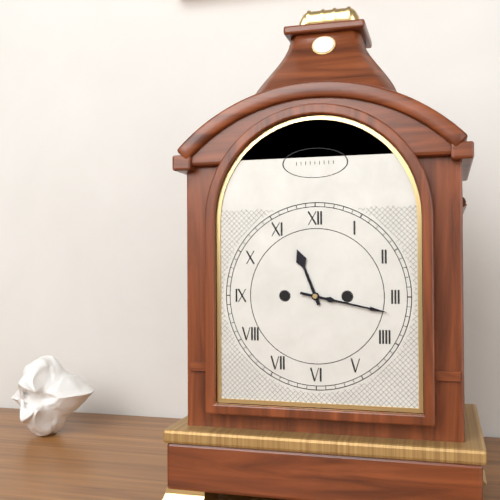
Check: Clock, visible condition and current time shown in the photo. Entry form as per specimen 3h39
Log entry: 11h17
